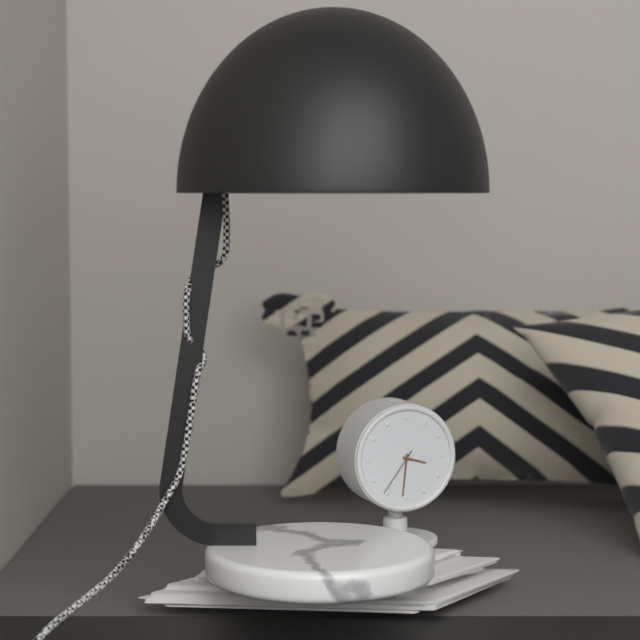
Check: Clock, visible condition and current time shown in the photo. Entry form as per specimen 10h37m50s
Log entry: 3h31m36s
